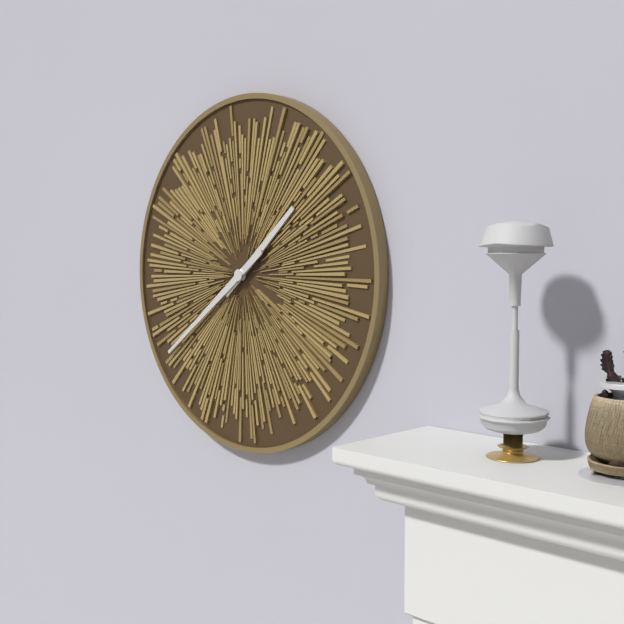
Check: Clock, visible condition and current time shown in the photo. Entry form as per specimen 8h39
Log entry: 1h39
